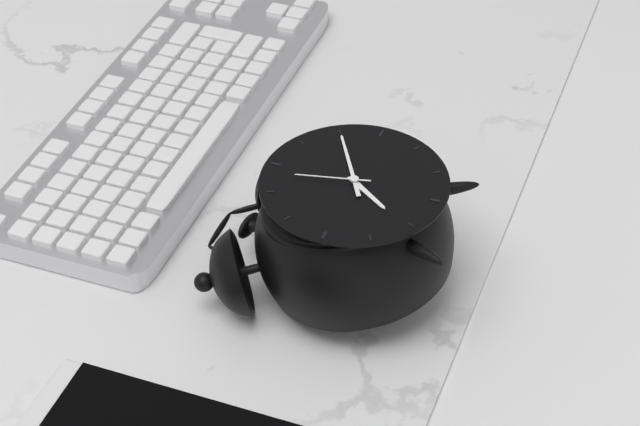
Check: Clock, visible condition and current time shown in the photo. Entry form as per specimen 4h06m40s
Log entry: 7h10m58s
